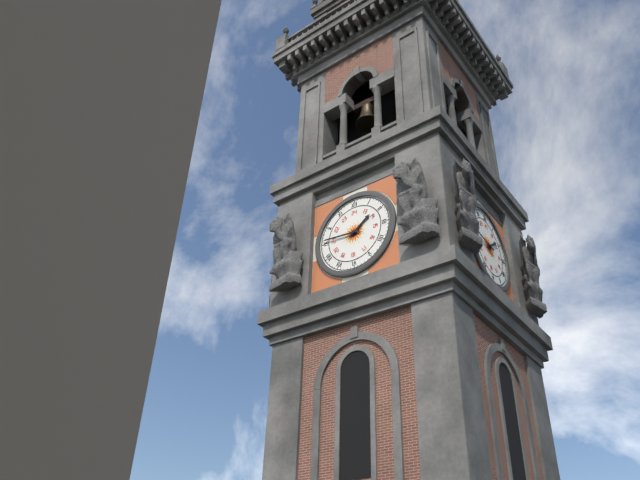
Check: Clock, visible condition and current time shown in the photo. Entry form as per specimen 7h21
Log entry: 1h46
